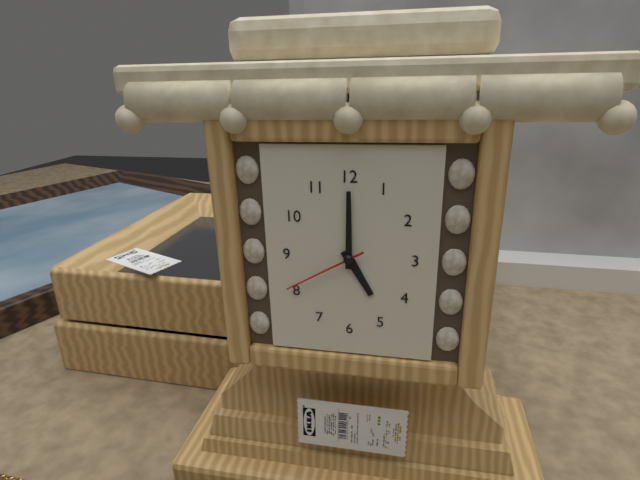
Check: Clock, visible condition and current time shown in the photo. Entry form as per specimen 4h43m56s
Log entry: 5h00m40s
